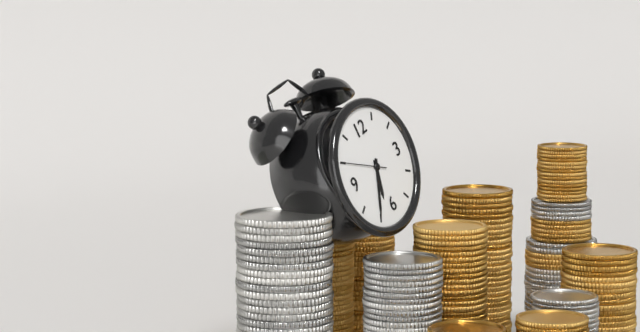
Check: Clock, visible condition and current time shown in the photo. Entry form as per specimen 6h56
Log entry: 6h35
